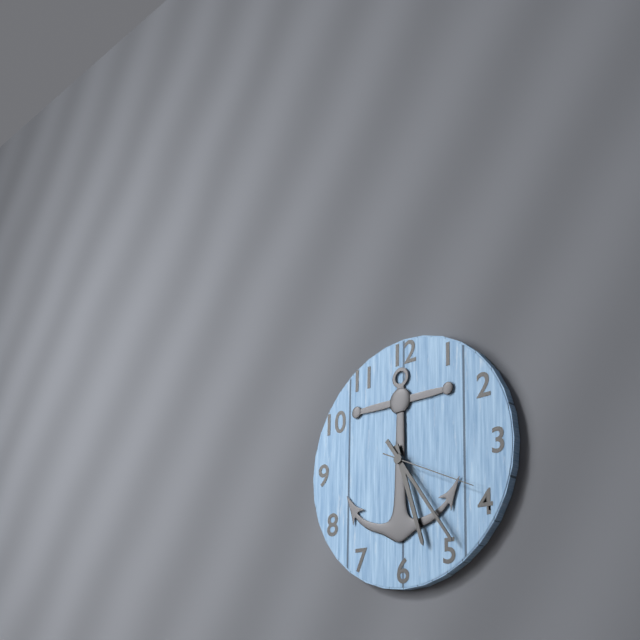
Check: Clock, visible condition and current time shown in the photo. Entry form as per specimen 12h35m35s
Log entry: 5h24m19s
